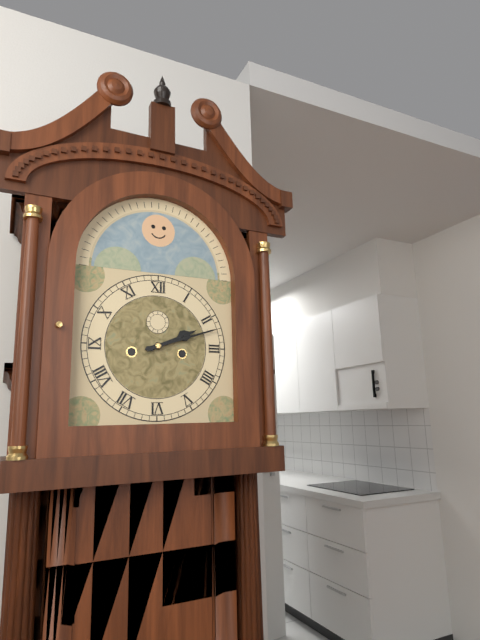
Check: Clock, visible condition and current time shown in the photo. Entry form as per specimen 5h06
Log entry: 2h12
